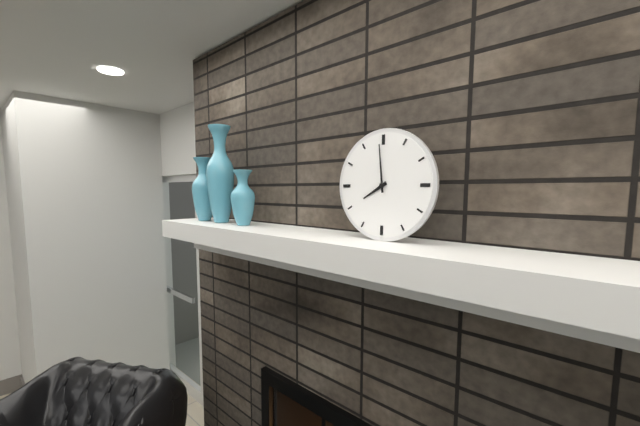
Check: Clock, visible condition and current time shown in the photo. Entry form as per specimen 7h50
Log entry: 7h59
